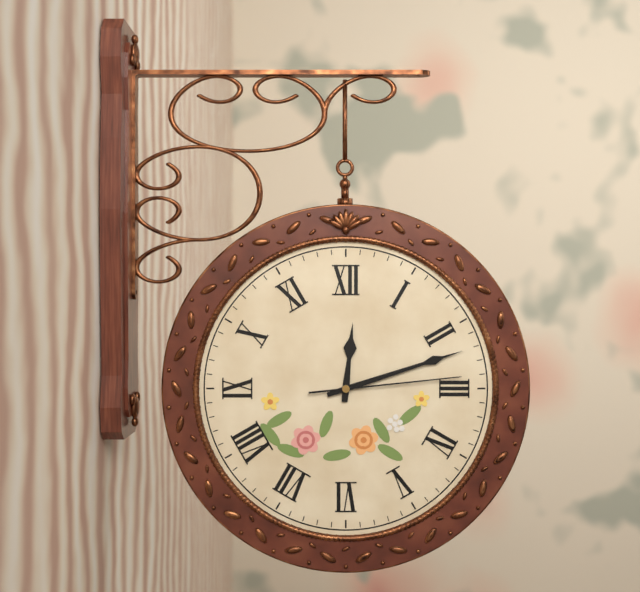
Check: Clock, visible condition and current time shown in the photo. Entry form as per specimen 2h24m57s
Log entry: 12h12m14s
